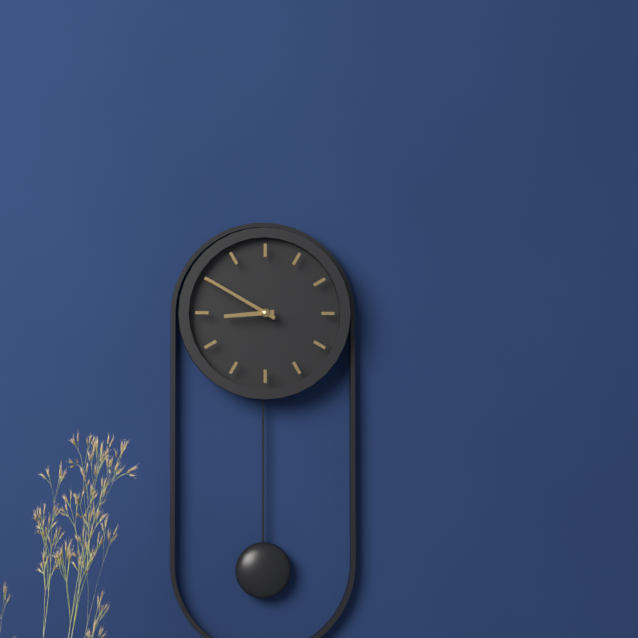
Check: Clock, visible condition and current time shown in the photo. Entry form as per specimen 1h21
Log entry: 8h50
